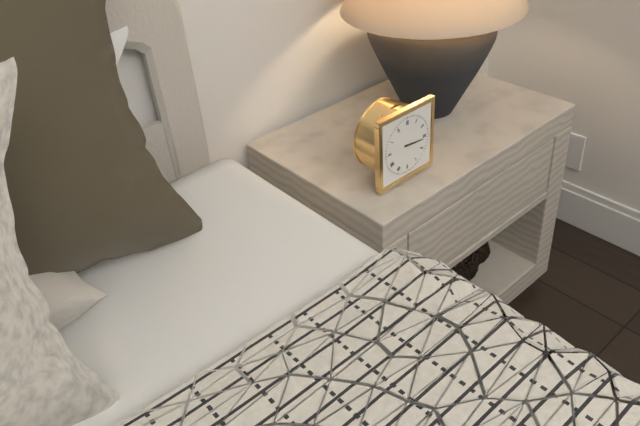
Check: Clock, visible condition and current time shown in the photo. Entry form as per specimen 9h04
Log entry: 3h16
